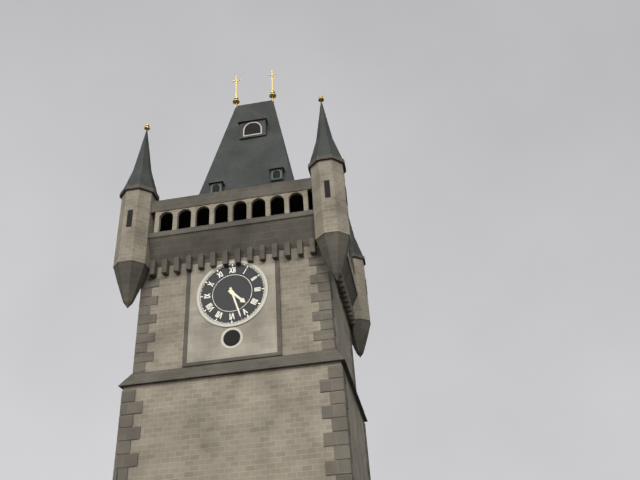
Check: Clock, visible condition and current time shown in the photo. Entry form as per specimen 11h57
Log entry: 4h27
